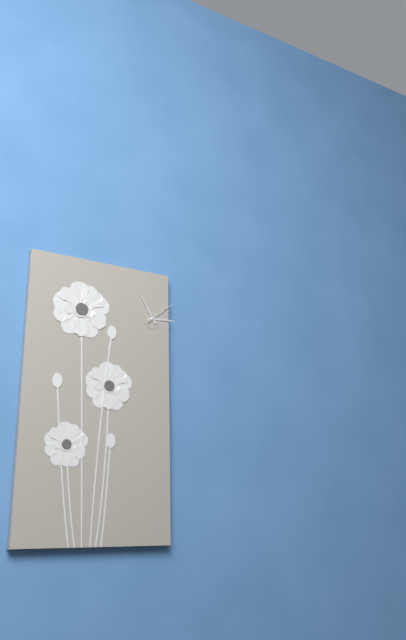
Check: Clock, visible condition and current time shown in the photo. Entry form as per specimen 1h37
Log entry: 2h55
